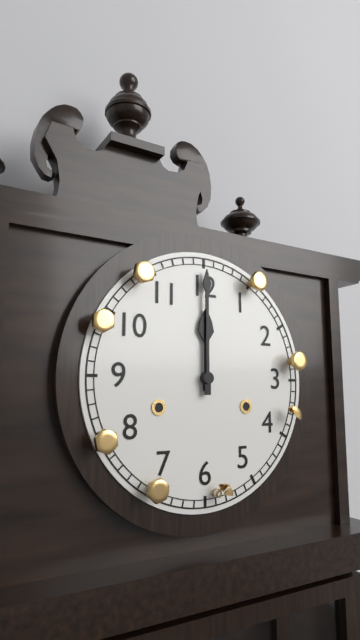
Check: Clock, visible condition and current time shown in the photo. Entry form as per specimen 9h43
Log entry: 12h00
